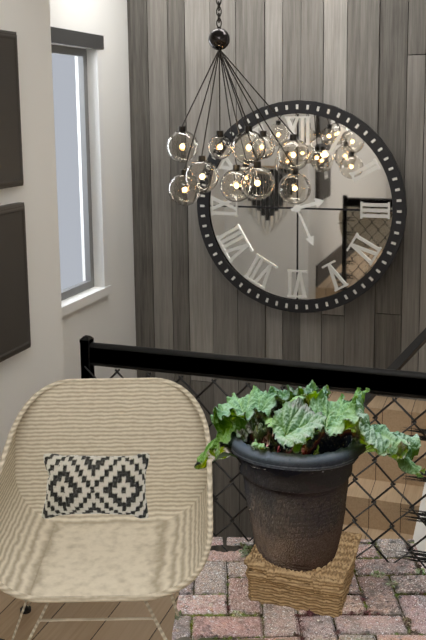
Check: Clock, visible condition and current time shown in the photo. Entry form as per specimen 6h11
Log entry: 2h26
